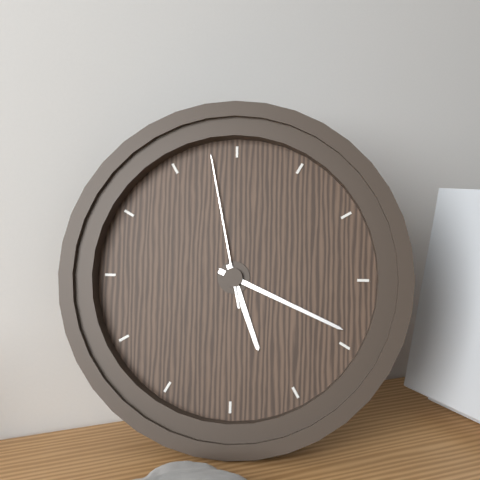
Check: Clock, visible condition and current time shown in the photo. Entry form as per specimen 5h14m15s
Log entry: 5h19m58s
